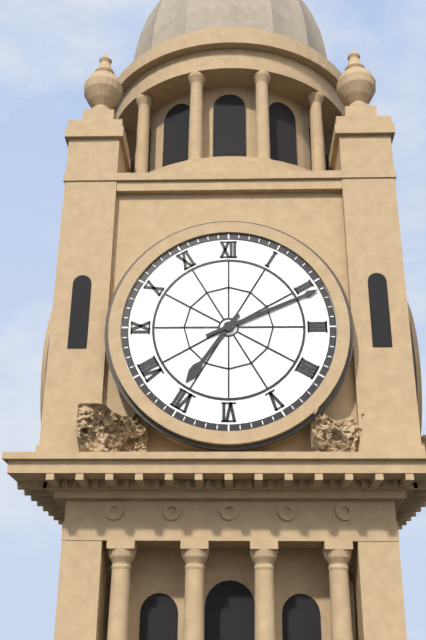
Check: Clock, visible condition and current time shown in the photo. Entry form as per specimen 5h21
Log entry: 7h11
